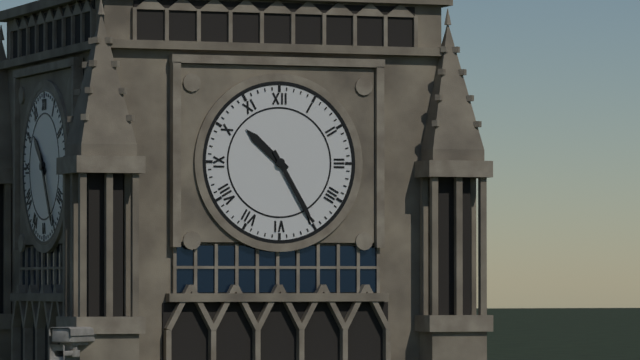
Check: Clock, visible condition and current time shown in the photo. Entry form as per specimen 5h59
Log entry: 10h25
